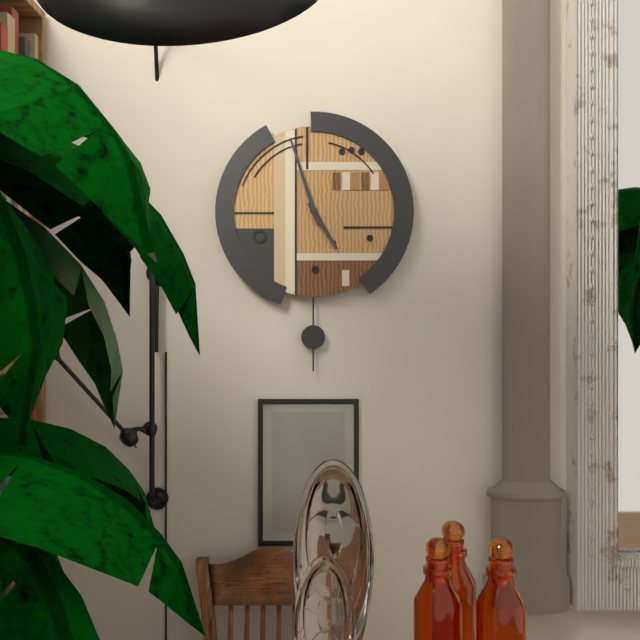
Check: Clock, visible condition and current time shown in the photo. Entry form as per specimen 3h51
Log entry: 4h57
